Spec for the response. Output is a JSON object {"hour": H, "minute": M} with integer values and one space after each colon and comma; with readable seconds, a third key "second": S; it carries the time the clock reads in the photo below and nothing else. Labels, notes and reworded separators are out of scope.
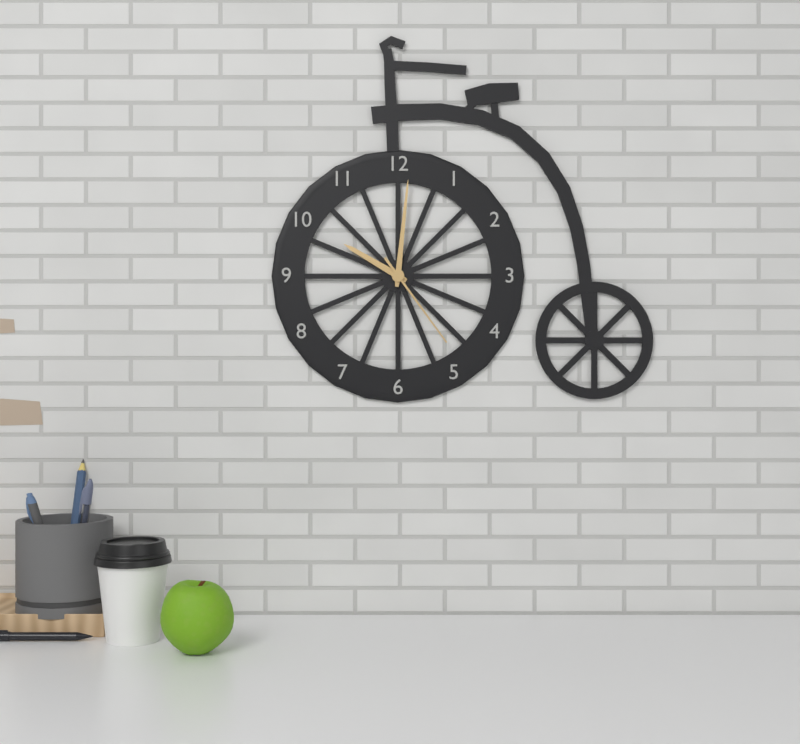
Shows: {"hour": 10, "minute": 1, "second": 24}
